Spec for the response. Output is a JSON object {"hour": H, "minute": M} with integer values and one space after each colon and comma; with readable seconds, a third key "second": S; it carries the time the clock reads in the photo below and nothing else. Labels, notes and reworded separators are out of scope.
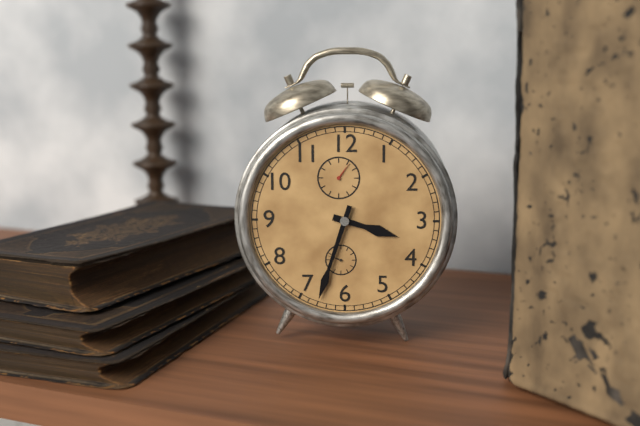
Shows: {"hour": 3, "minute": 33}
